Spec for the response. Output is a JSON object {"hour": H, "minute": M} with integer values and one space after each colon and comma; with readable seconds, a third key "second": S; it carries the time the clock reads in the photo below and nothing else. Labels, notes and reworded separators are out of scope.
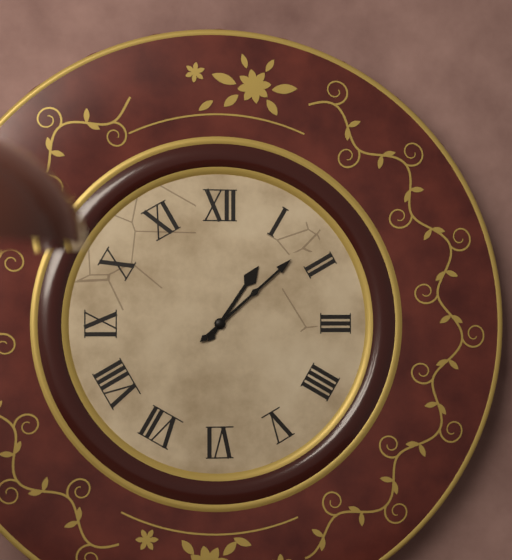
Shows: {"hour": 1, "minute": 8}
